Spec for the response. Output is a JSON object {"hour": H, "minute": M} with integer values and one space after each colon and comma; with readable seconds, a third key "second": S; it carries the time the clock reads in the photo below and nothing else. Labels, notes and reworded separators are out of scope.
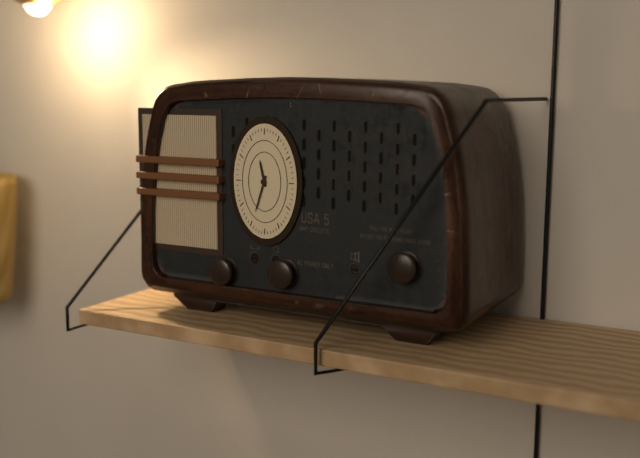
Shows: {"hour": 11, "minute": 33}
